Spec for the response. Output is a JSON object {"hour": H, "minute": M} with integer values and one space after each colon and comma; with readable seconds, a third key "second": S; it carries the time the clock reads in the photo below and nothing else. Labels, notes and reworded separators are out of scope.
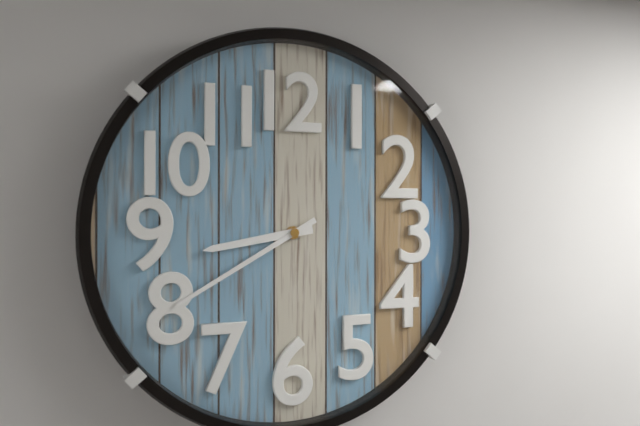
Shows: {"hour": 8, "minute": 40}
